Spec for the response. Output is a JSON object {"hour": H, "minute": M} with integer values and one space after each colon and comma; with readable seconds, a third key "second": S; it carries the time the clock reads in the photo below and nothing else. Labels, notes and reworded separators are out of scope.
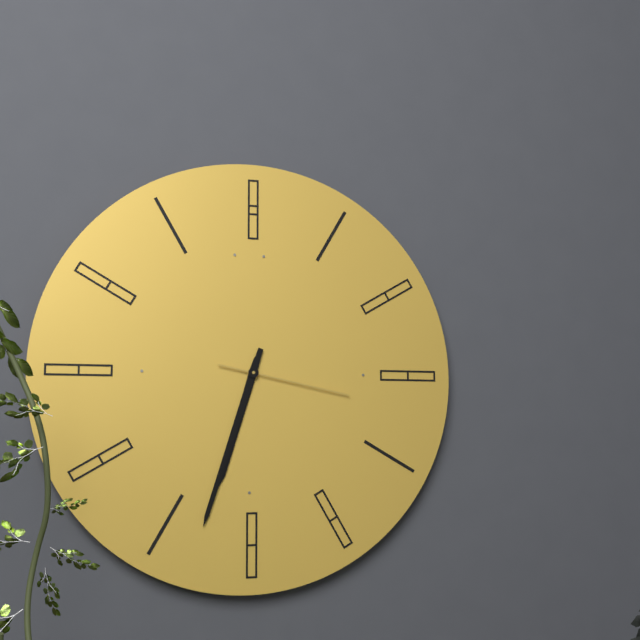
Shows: {"hour": 6, "minute": 33, "second": 17}
